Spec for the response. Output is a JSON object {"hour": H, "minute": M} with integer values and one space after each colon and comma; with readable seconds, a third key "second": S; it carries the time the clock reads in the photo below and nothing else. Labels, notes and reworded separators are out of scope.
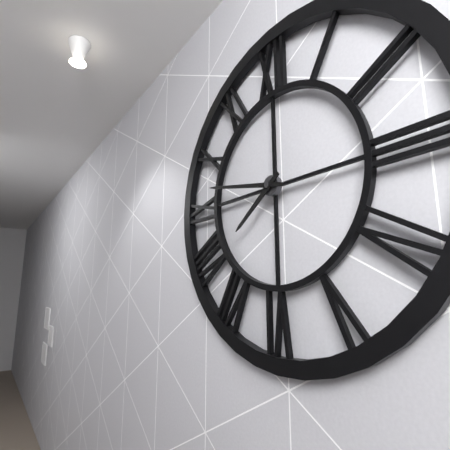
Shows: {"hour": 7, "minute": 47}
